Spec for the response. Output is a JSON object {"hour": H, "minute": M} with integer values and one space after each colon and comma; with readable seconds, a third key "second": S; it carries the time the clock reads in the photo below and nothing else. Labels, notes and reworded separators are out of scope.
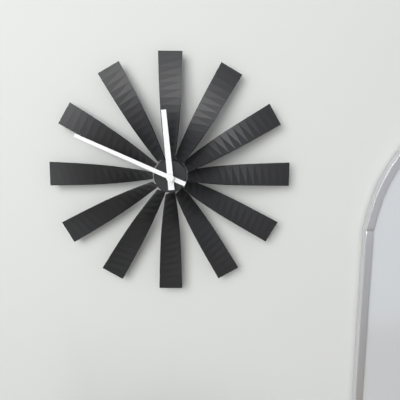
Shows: {"hour": 11, "minute": 49}
